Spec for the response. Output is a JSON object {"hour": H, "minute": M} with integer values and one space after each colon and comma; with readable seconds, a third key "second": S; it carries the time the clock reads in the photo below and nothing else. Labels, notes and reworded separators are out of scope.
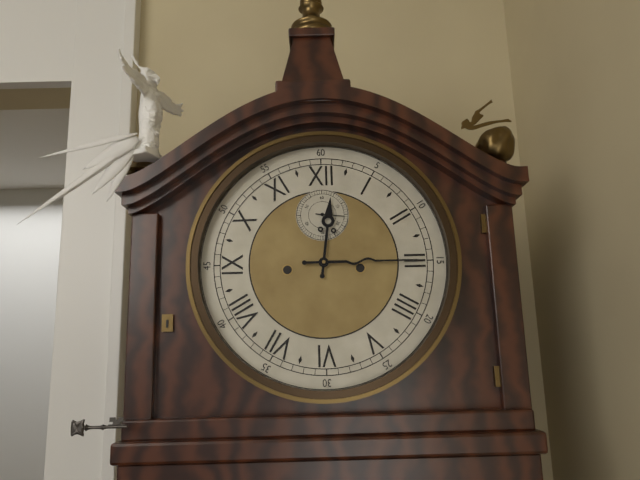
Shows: {"hour": 12, "minute": 15}
